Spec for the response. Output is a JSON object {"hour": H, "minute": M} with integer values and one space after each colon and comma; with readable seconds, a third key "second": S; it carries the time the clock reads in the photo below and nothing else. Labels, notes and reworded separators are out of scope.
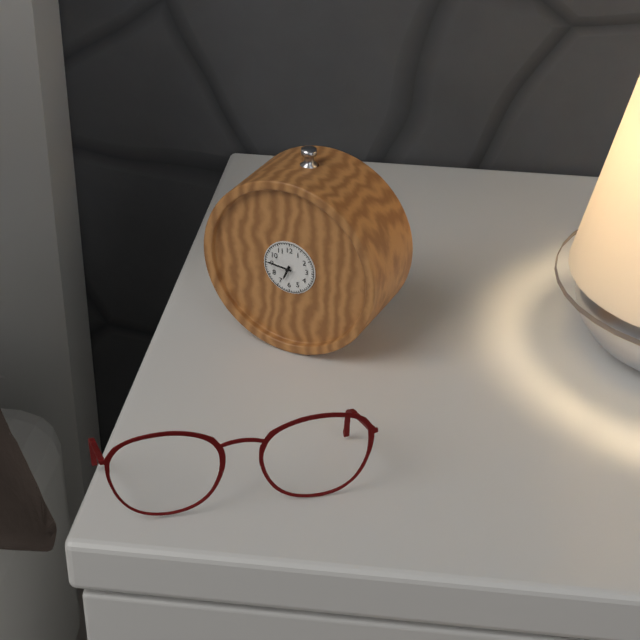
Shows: {"hour": 6, "minute": 46}
